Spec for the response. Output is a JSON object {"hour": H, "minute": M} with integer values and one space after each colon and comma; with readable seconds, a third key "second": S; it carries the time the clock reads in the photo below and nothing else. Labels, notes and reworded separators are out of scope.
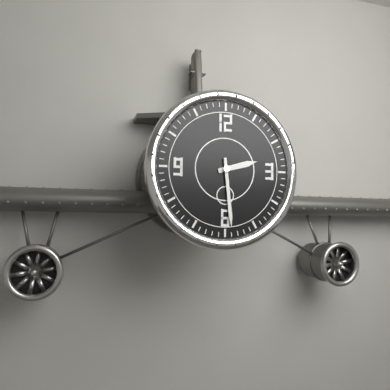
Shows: {"hour": 2, "minute": 29}
